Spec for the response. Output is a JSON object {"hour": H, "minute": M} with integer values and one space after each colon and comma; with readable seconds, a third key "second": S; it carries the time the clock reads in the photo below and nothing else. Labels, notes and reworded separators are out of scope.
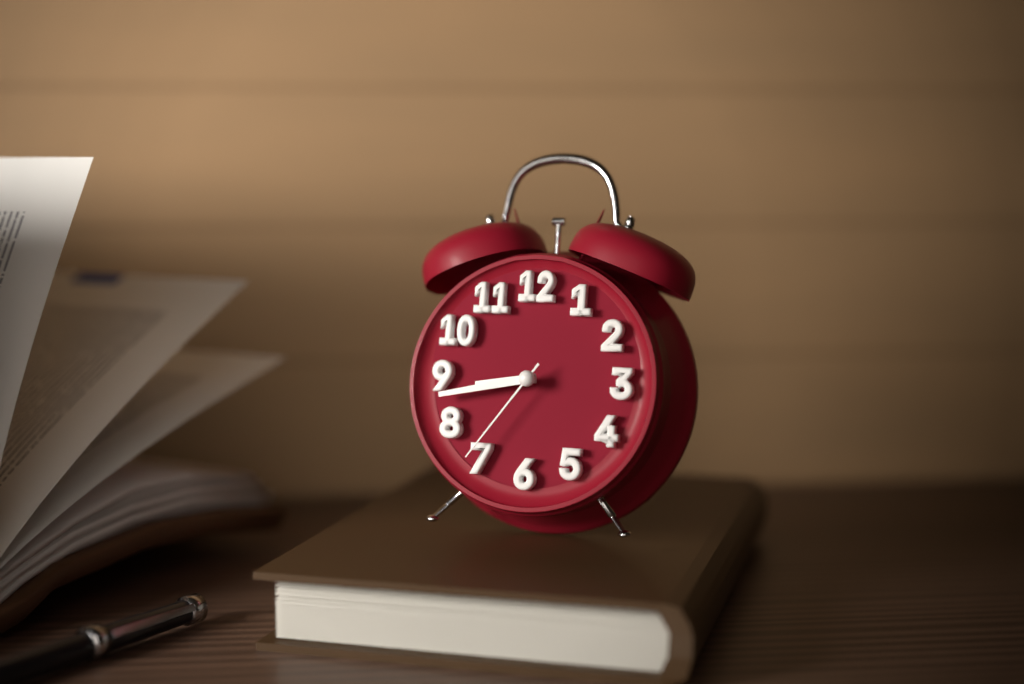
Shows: {"hour": 8, "minute": 43, "second": 36}
